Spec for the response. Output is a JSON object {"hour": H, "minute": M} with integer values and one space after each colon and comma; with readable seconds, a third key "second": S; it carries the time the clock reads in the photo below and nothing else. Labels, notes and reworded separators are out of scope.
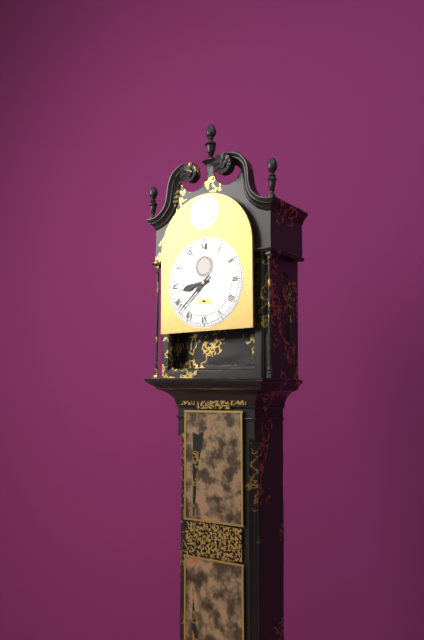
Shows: {"hour": 8, "minute": 38}
